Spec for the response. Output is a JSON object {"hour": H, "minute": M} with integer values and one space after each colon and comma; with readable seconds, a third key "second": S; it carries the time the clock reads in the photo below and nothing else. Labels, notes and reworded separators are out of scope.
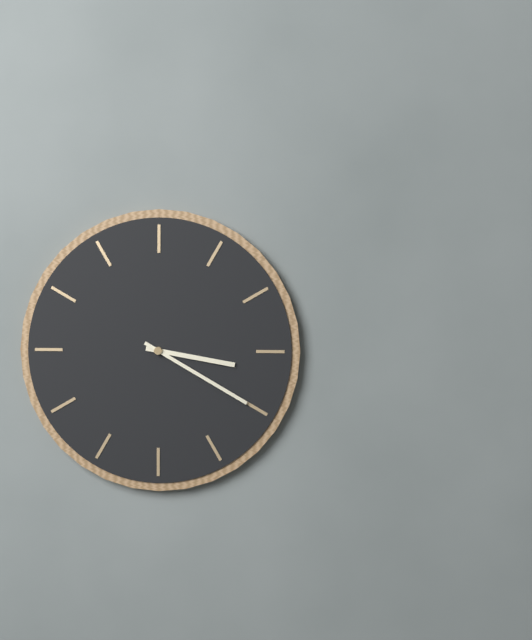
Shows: {"hour": 3, "minute": 20}
